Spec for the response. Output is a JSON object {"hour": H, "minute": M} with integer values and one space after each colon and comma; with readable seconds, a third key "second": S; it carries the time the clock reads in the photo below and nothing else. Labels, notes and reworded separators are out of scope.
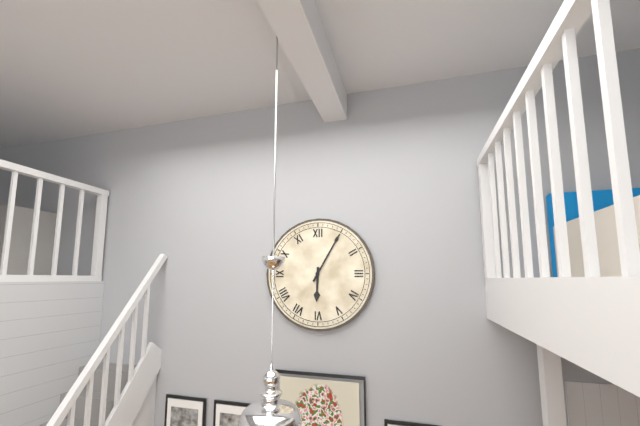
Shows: {"hour": 6, "minute": 5}
